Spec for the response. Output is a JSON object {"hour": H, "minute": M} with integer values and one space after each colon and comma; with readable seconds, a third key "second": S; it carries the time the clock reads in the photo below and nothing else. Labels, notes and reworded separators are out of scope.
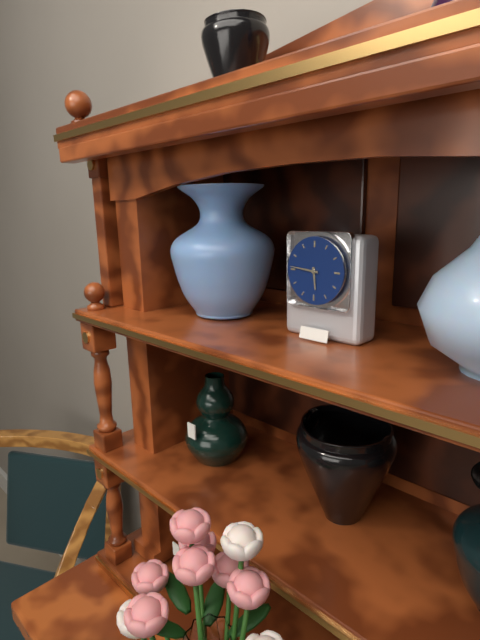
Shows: {"hour": 5, "minute": 46}
